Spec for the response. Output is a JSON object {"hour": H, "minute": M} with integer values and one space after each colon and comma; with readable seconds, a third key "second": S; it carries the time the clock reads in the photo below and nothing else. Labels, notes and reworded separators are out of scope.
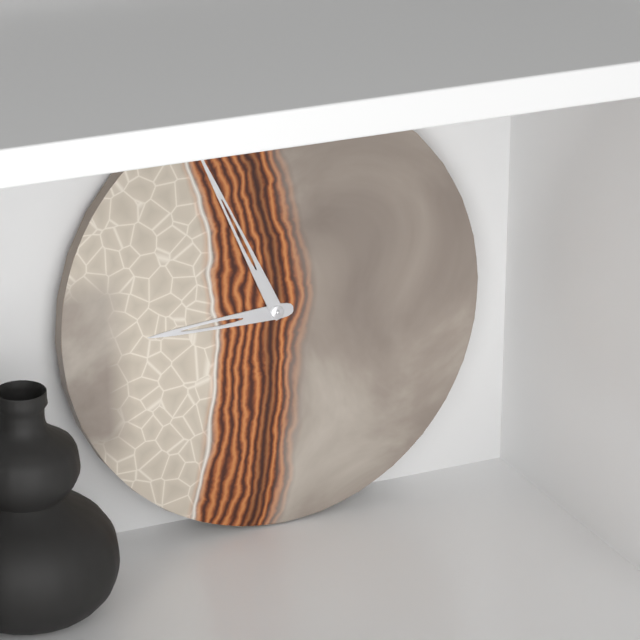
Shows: {"hour": 8, "minute": 56}
